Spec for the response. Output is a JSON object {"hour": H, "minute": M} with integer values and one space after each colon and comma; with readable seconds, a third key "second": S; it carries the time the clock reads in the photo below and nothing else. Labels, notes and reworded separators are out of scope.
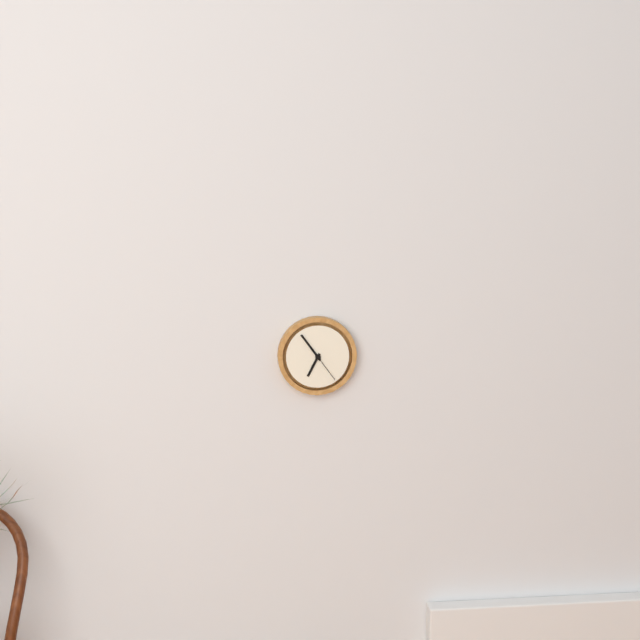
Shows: {"hour": 6, "minute": 54}
